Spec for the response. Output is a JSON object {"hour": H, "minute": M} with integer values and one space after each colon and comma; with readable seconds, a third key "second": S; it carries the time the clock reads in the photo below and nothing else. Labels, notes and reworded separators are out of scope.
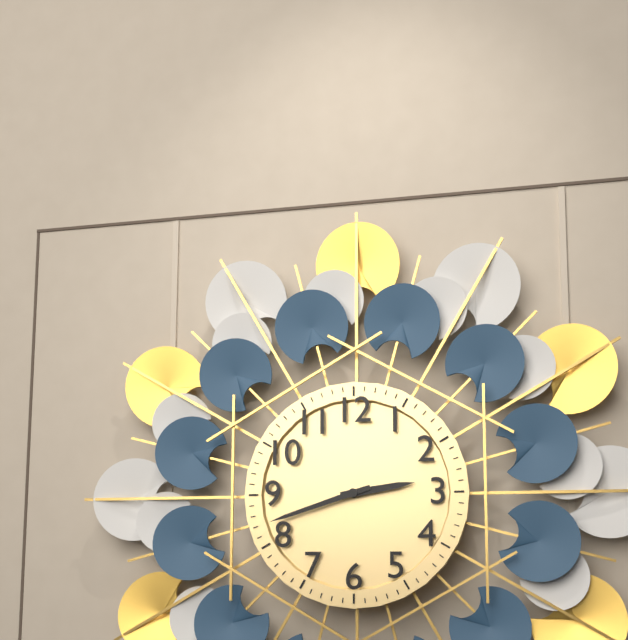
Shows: {"hour": 2, "minute": 42}
